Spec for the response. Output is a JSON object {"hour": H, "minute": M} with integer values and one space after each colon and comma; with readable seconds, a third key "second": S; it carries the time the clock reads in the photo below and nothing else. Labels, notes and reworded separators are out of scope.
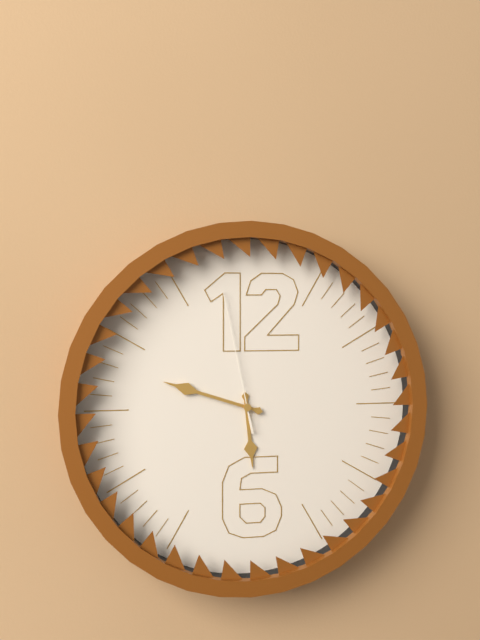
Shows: {"hour": 5, "minute": 48, "second": 58}
